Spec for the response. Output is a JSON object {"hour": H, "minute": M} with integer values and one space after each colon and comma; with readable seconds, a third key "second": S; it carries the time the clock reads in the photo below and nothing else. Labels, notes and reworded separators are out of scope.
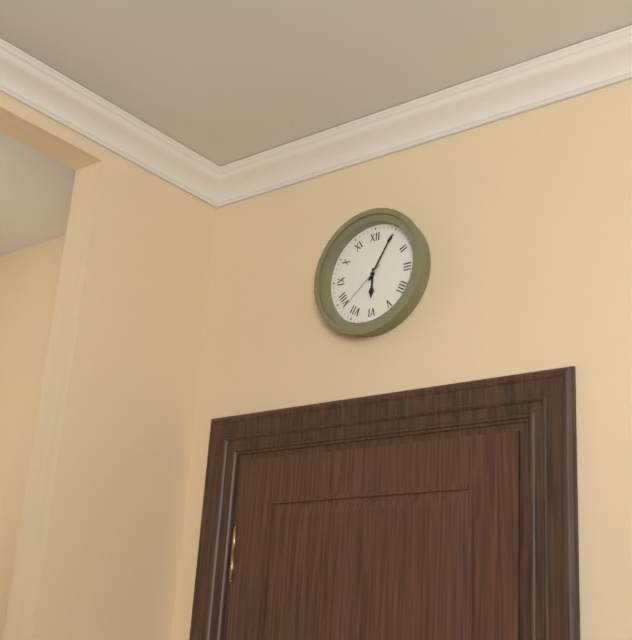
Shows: {"hour": 6, "minute": 5, "second": 38}
